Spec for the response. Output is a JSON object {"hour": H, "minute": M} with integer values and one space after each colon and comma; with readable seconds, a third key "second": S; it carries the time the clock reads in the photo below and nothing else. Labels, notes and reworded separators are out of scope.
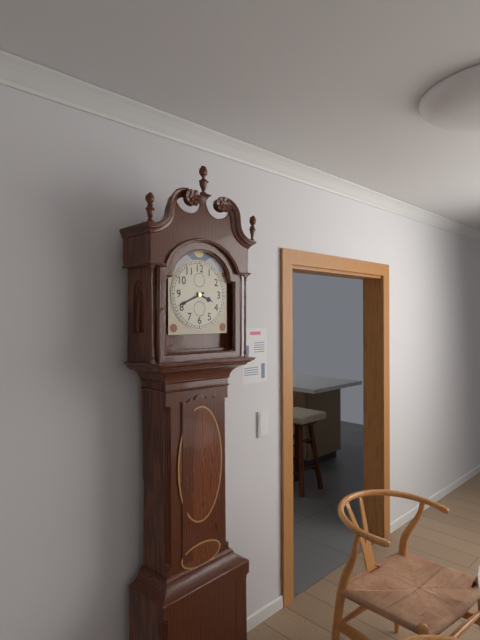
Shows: {"hour": 3, "minute": 41}
